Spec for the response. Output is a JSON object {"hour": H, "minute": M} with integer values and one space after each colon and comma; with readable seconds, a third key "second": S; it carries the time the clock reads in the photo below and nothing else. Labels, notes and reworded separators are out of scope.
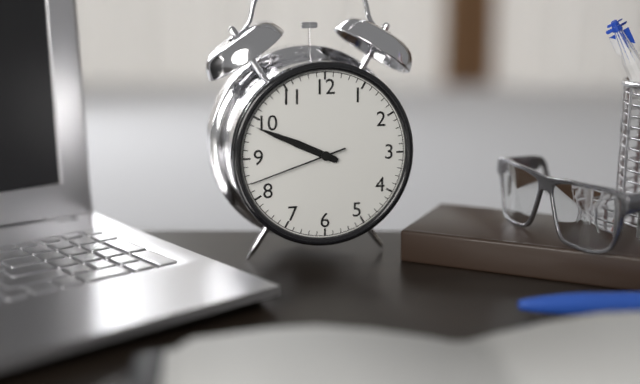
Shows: {"hour": 9, "minute": 49, "second": 42}
